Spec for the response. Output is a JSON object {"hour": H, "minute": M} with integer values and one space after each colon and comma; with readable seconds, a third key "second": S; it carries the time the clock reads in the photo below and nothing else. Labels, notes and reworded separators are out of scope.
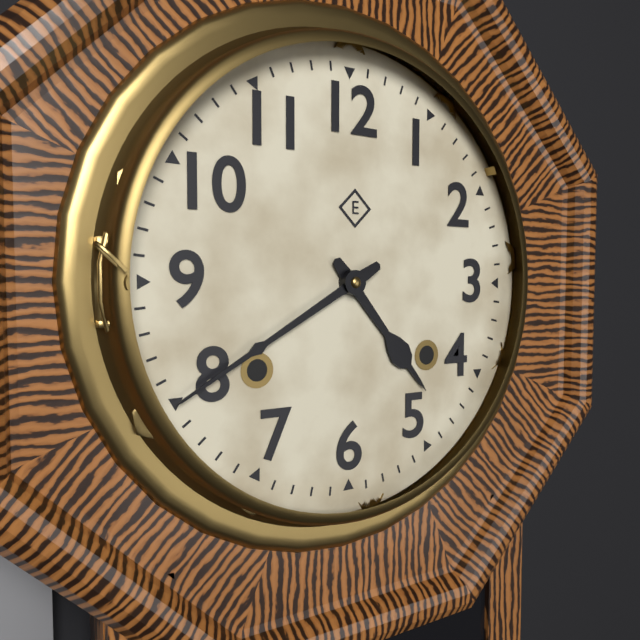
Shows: {"hour": 4, "minute": 40}
